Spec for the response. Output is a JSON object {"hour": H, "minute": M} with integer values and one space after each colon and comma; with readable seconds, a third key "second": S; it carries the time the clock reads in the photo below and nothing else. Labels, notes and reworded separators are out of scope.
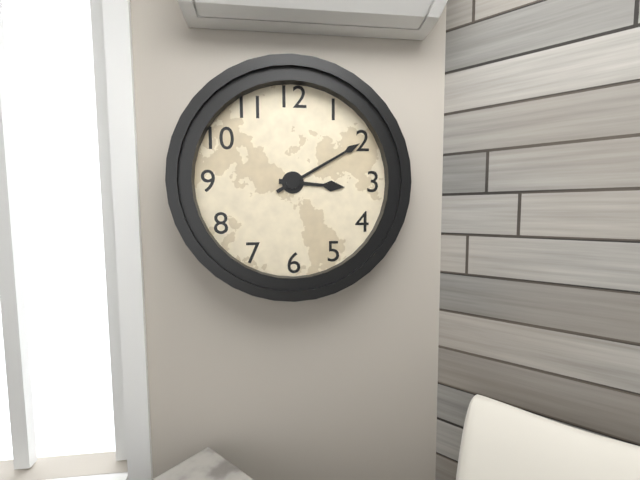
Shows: {"hour": 3, "minute": 10}
